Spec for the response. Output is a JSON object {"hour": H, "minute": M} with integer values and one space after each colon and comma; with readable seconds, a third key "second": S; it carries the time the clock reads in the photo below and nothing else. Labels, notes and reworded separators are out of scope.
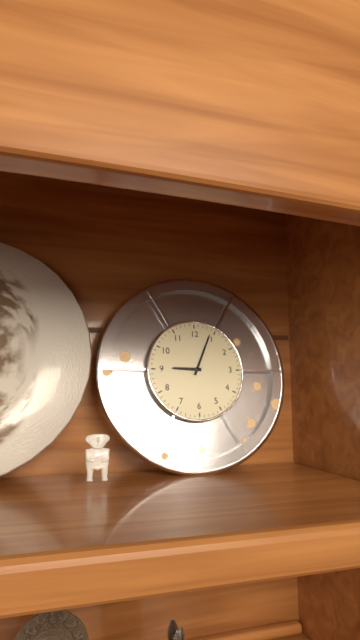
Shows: {"hour": 9, "minute": 4}
